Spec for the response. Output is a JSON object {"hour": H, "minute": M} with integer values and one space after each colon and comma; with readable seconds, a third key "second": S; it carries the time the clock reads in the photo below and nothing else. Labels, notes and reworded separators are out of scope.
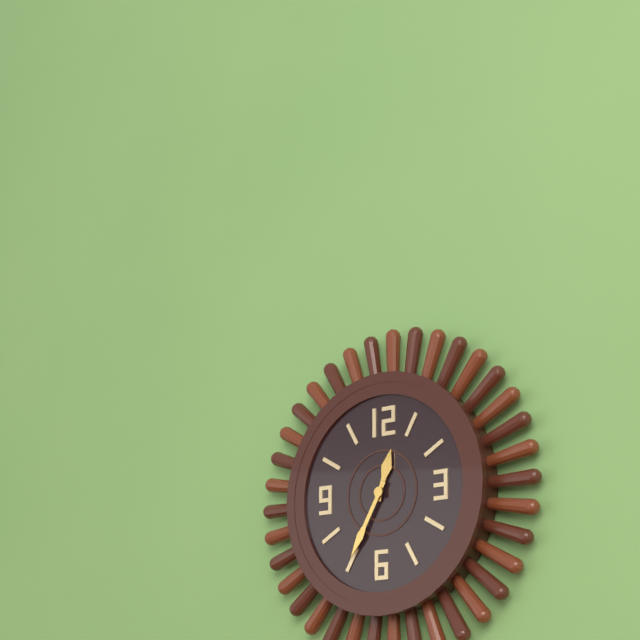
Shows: {"hour": 12, "minute": 35}
